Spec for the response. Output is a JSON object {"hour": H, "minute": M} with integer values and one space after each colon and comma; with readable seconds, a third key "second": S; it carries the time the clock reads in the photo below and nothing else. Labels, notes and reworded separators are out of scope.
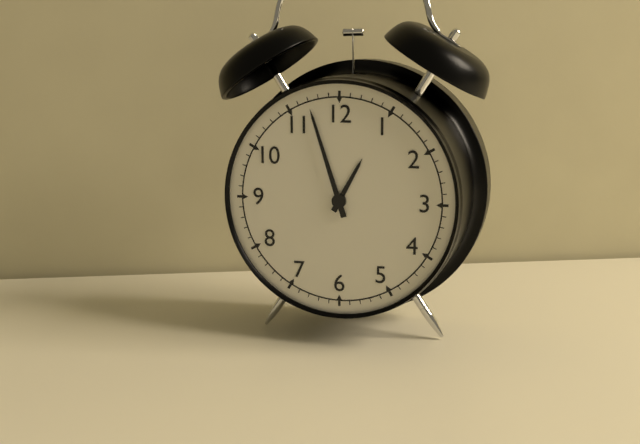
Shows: {"hour": 12, "minute": 57}
